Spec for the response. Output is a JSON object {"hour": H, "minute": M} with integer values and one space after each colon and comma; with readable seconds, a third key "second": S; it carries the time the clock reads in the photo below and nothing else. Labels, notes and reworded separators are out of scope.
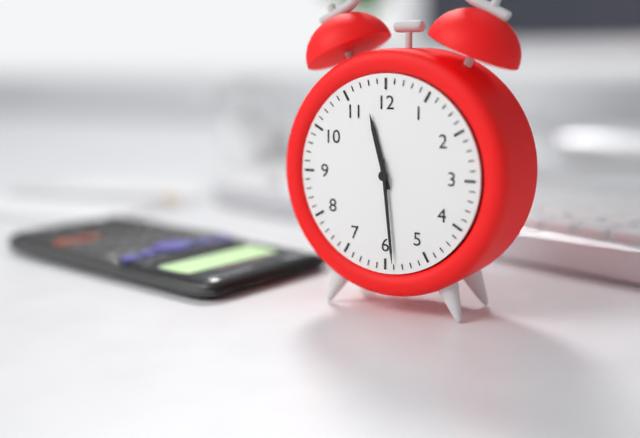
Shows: {"hour": 11, "minute": 29}
